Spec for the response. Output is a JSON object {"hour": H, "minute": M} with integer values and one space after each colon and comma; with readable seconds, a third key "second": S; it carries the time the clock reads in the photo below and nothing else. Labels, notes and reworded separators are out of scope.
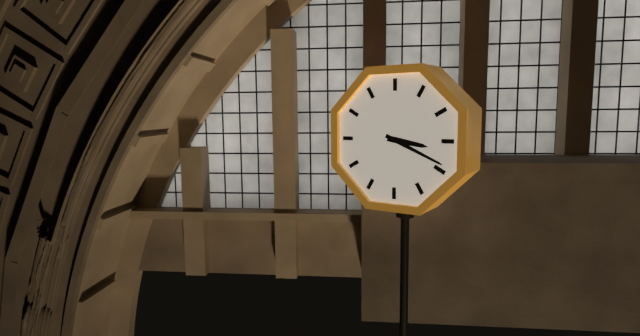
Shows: {"hour": 3, "minute": 19}
